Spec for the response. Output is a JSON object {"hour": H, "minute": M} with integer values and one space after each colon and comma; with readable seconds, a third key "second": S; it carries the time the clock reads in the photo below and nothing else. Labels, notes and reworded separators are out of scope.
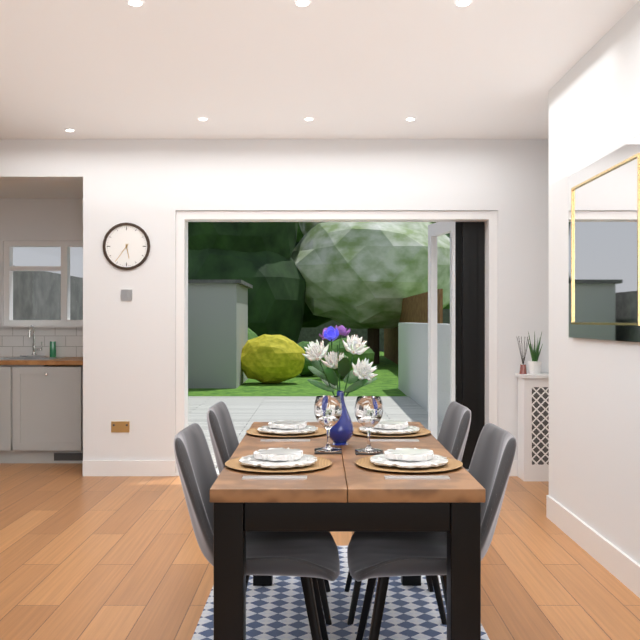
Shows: {"hour": 5, "minute": 36}
